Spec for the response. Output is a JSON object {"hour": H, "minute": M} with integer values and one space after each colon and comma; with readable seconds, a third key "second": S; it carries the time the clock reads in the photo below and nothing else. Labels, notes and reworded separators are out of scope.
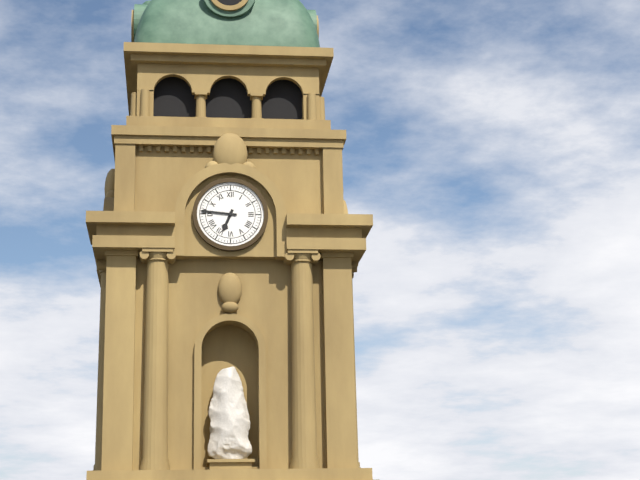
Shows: {"hour": 6, "minute": 46}
